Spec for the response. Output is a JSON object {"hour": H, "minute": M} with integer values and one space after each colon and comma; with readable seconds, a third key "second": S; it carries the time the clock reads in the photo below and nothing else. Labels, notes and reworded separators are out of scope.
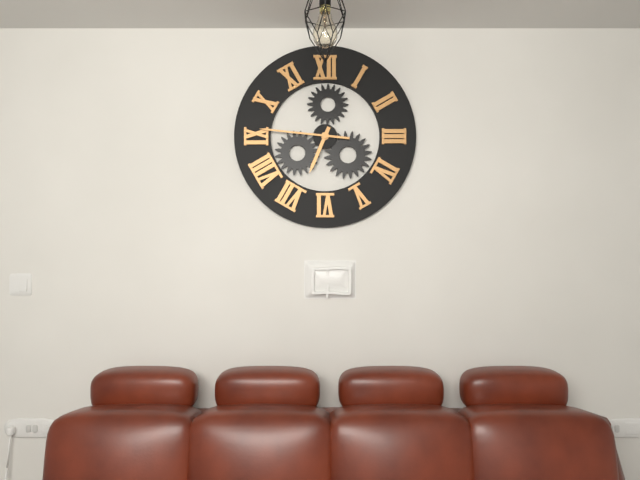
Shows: {"hour": 6, "minute": 46}
